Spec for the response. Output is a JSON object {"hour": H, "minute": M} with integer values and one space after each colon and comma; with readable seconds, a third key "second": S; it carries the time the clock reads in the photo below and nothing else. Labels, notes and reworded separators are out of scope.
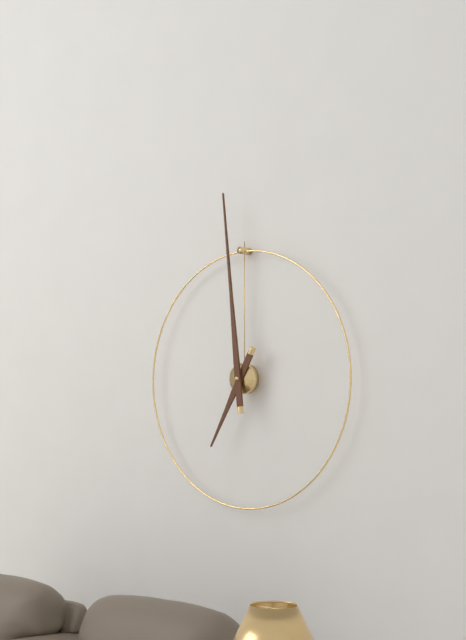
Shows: {"hour": 6, "minute": 59}
